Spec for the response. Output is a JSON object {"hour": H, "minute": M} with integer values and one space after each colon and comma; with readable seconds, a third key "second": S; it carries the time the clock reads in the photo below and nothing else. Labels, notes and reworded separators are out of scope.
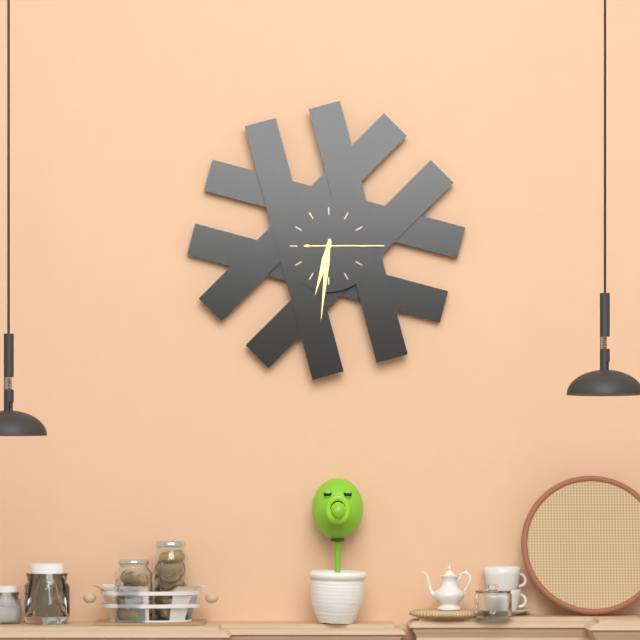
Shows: {"hour": 6, "minute": 31, "second": 15}
